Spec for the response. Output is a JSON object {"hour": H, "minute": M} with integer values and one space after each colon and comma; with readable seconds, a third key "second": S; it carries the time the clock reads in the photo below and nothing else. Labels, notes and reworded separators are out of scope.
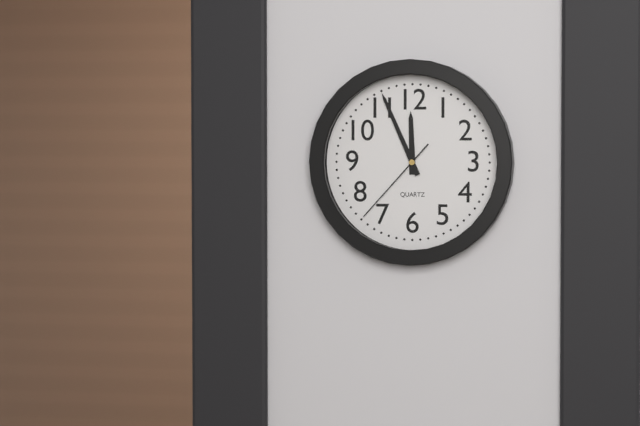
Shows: {"hour": 11, "minute": 56, "second": 37}
